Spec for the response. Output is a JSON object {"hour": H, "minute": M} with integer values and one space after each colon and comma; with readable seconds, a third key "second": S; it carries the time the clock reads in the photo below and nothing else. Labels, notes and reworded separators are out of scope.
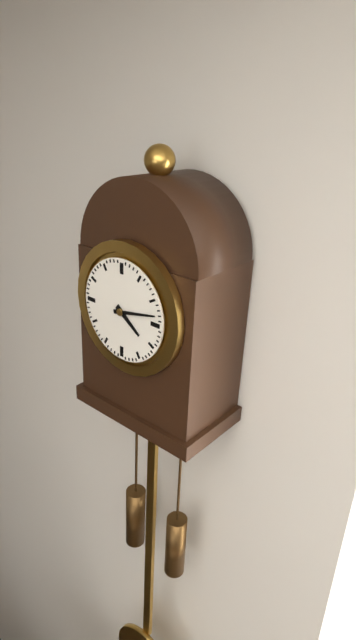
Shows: {"hour": 4, "minute": 13}
